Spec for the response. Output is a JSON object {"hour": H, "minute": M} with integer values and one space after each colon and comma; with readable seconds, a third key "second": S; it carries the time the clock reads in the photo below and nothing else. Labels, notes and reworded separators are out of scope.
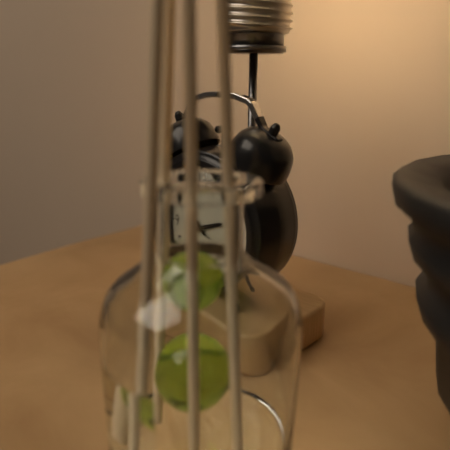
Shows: {"hour": 2, "minute": 23}
